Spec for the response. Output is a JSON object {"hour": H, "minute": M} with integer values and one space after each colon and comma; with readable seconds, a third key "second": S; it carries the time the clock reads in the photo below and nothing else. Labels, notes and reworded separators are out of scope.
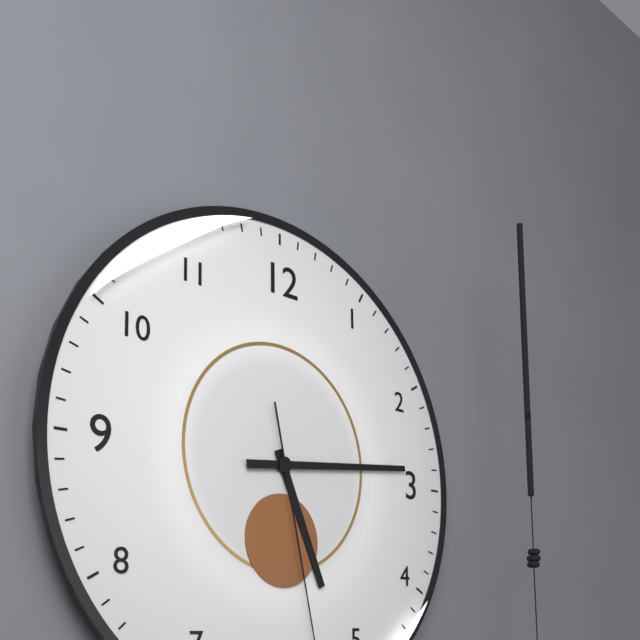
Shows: {"hour": 5, "minute": 14}
